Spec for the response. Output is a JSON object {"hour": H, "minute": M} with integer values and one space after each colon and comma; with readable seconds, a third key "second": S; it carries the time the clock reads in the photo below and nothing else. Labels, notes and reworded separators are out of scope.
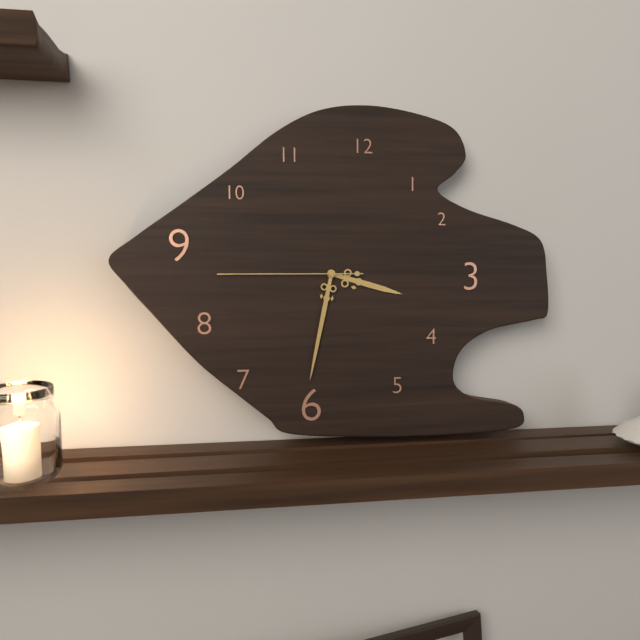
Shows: {"hour": 3, "minute": 32, "second": 45}
